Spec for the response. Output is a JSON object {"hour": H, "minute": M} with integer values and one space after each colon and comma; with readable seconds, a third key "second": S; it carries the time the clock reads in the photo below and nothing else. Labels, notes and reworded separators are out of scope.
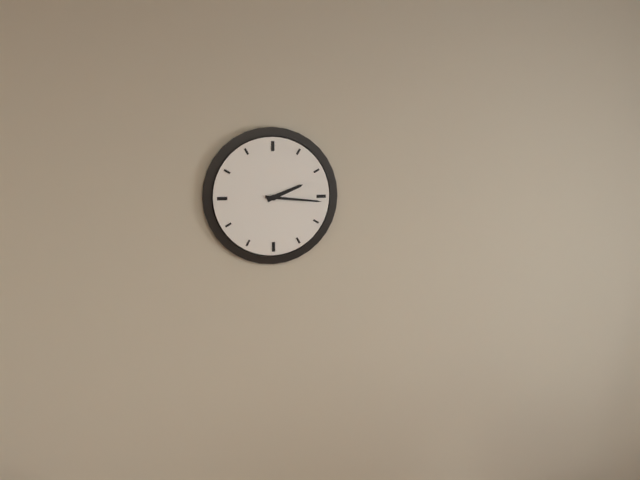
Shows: {"hour": 2, "minute": 16}
